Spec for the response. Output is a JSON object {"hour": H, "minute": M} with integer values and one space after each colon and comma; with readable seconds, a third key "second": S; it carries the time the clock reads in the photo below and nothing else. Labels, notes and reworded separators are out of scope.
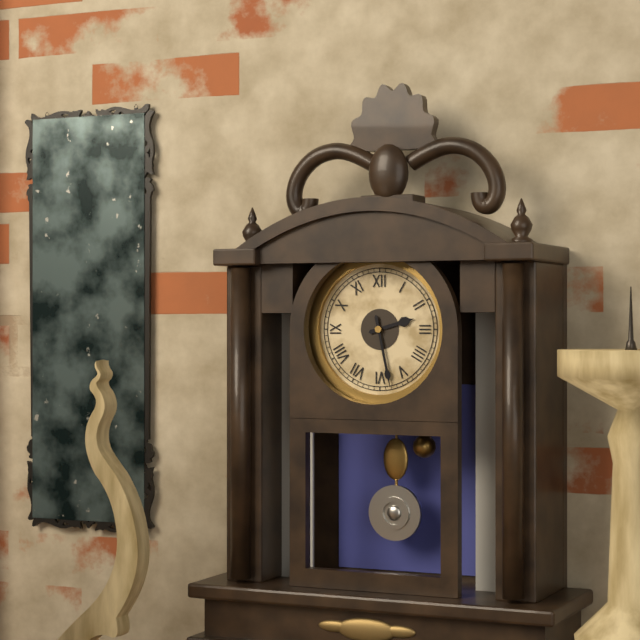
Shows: {"hour": 2, "minute": 28}
